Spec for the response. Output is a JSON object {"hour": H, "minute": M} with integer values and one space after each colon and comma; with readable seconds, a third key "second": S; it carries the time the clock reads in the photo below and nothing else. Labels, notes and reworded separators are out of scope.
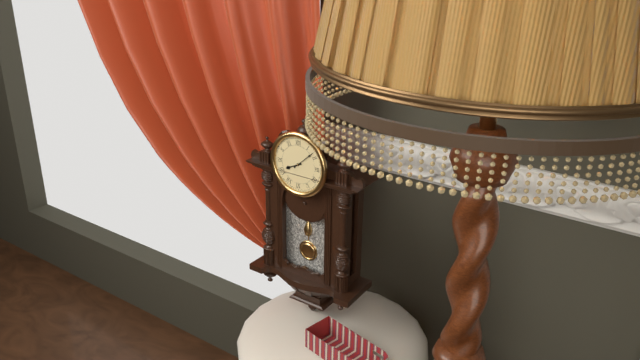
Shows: {"hour": 8, "minute": 8}
